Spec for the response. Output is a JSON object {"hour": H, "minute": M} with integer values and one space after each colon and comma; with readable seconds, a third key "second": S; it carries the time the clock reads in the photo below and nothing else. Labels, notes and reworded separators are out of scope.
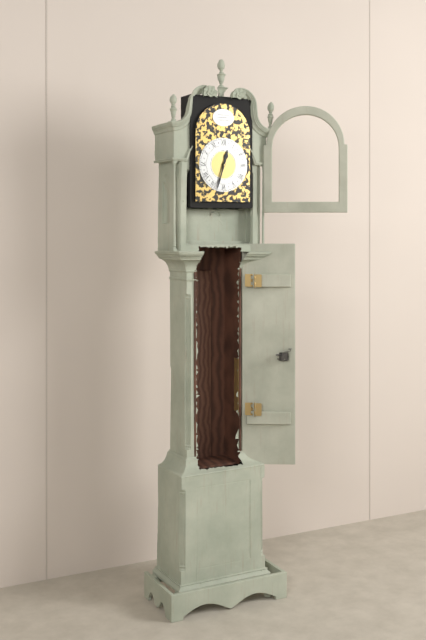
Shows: {"hour": 12, "minute": 33}
